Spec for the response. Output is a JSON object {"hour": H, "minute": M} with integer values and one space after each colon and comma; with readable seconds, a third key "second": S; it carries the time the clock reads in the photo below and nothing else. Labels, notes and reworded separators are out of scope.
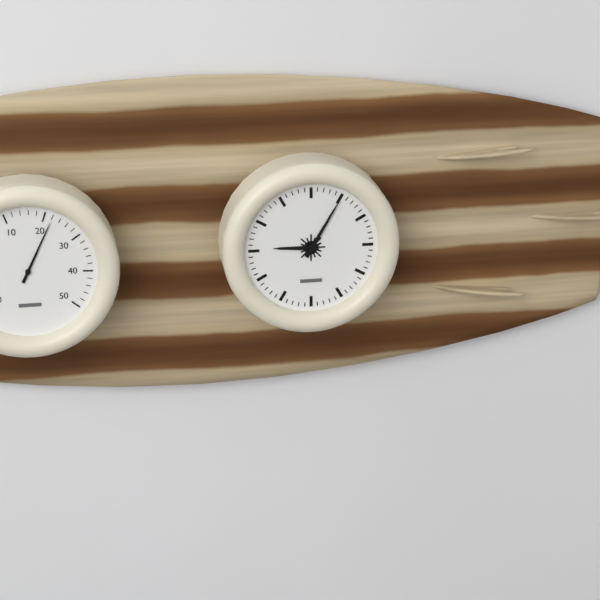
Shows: {"hour": 9, "minute": 5}
